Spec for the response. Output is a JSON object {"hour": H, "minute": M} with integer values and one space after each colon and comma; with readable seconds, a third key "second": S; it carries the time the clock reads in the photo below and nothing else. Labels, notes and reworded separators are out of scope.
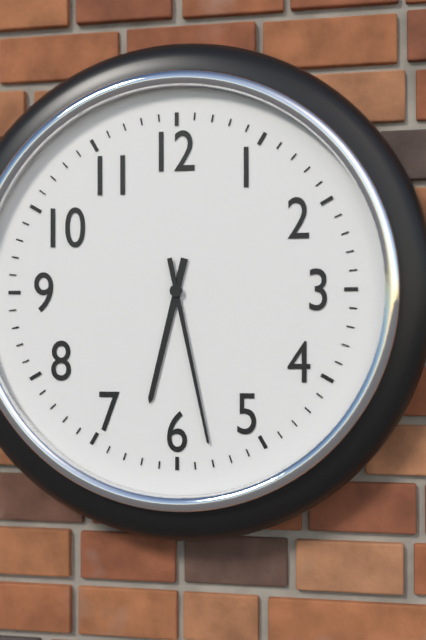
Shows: {"hour": 6, "minute": 28}
